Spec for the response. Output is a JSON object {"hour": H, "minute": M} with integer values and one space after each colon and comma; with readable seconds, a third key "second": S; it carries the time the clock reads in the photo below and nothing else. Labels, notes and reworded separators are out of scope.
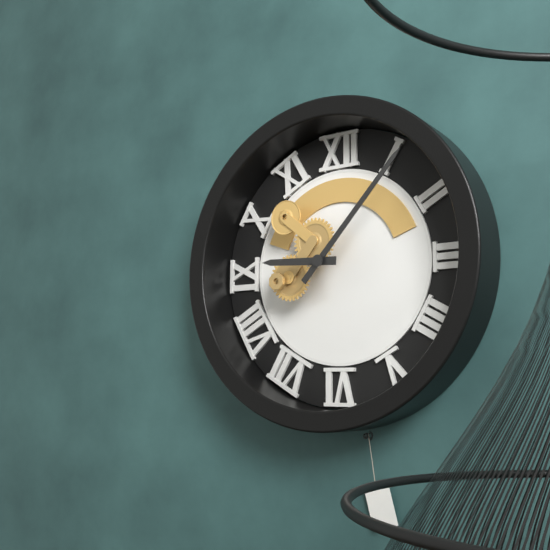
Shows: {"hour": 9, "minute": 7}
